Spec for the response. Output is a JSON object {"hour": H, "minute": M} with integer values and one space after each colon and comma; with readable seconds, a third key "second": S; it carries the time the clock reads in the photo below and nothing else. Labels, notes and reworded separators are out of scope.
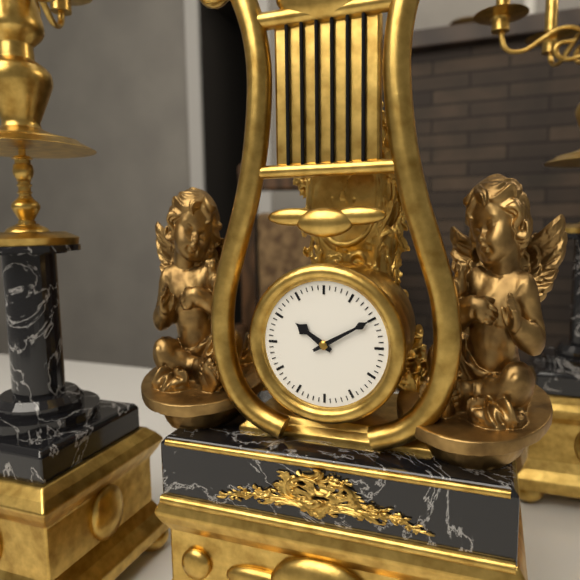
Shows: {"hour": 10, "minute": 10}
